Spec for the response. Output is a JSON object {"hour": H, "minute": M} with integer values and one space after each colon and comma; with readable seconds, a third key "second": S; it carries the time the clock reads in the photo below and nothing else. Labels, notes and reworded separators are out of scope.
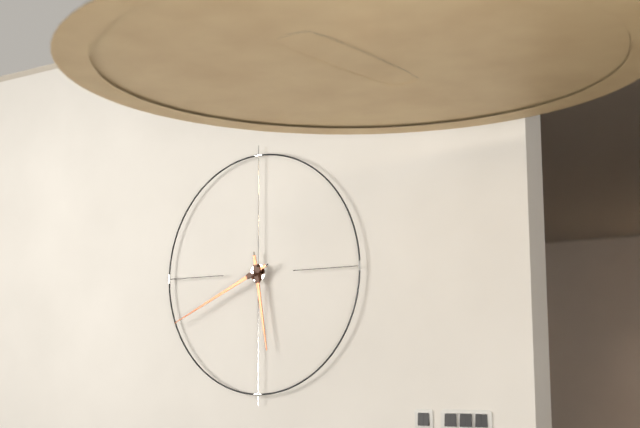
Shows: {"hour": 5, "minute": 41}
